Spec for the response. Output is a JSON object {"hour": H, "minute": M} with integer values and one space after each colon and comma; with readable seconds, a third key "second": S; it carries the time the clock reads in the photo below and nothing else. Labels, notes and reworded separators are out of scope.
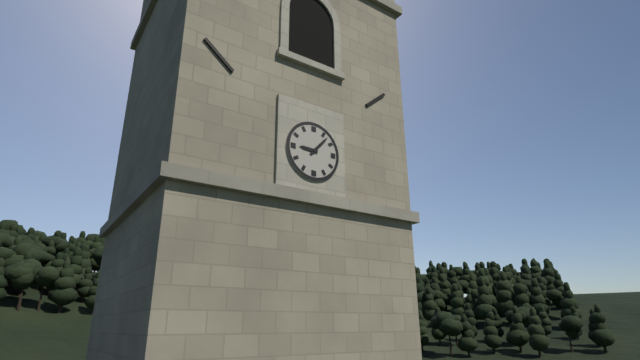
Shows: {"hour": 9, "minute": 7}
